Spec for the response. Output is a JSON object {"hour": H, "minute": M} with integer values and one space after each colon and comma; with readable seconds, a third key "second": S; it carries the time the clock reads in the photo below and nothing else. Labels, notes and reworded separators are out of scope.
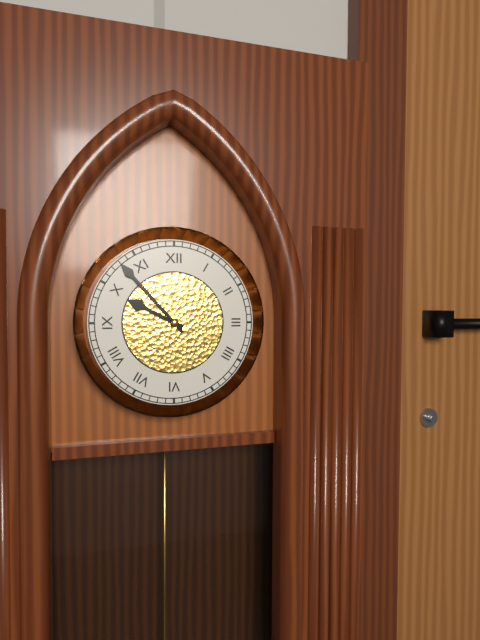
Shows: {"hour": 9, "minute": 53}
